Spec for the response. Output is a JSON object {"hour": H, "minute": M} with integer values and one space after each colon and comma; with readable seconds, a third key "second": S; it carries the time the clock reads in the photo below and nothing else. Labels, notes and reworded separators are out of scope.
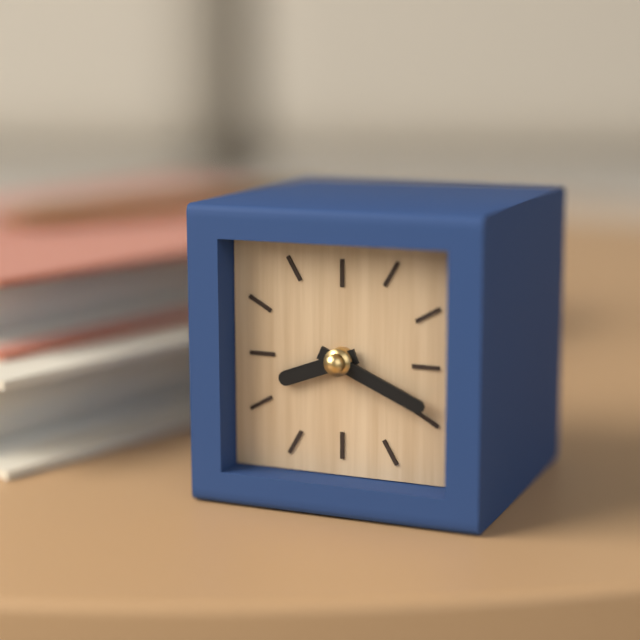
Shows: {"hour": 8, "minute": 19}
